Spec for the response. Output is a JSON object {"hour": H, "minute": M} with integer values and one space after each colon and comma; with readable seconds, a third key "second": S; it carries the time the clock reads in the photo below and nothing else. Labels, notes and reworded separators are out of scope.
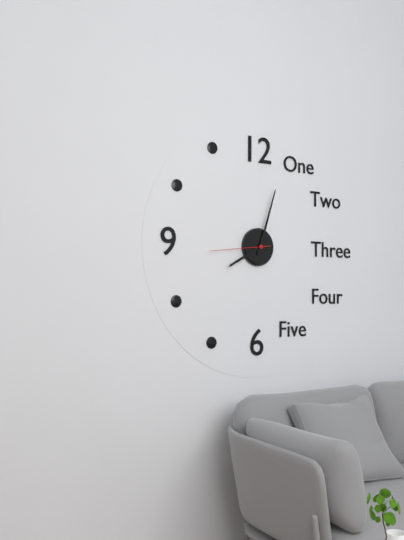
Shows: {"hour": 8, "minute": 3, "second": 44}
